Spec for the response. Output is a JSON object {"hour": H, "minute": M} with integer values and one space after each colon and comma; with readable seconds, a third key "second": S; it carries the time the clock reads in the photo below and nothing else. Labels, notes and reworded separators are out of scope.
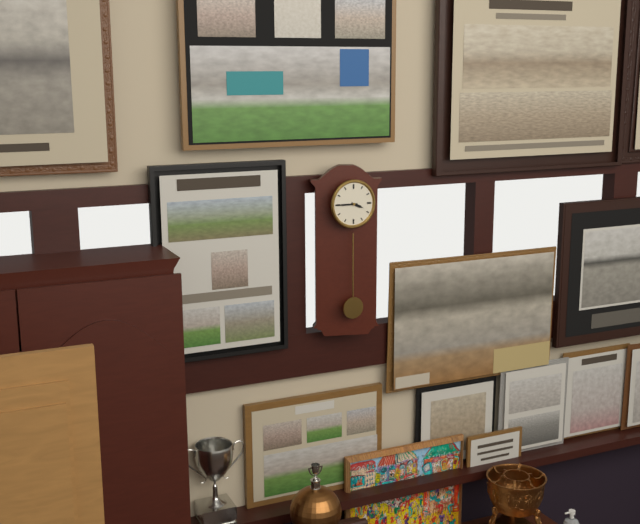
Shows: {"hour": 3, "minute": 45}
